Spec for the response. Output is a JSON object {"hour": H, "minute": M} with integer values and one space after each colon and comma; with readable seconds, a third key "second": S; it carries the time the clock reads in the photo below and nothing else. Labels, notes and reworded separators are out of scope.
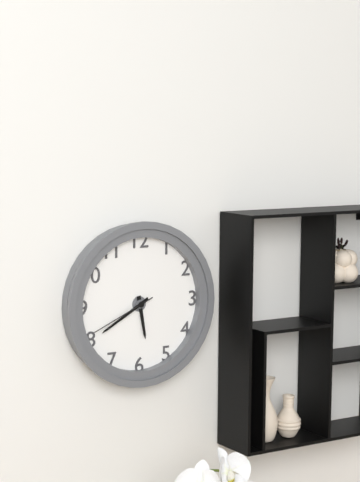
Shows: {"hour": 5, "minute": 40, "second": 41}
